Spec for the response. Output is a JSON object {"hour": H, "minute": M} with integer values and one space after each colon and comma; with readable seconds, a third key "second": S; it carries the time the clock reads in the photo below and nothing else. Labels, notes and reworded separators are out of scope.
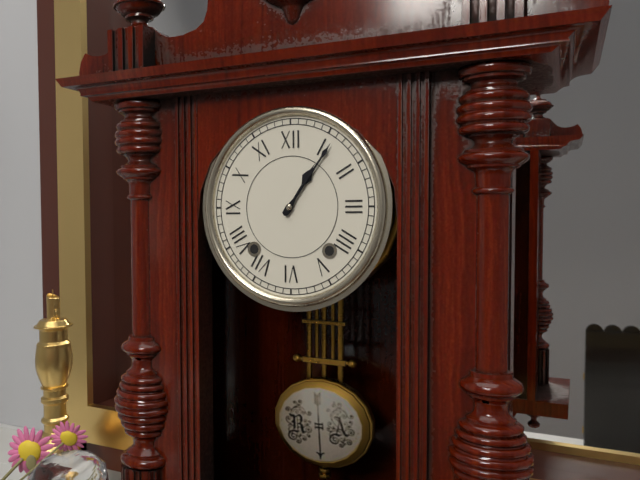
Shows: {"hour": 1, "minute": 6}
